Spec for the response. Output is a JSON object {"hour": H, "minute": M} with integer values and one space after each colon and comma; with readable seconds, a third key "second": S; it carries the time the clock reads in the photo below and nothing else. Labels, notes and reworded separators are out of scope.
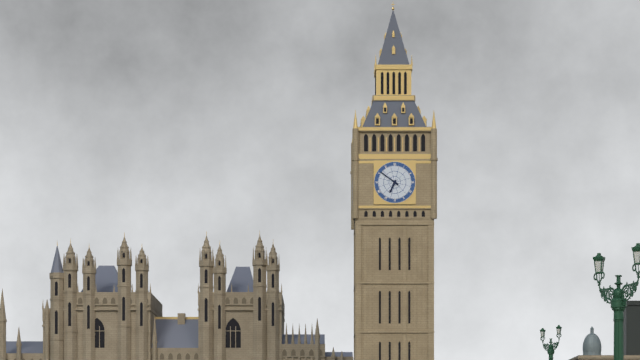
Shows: {"hour": 6, "minute": 51}
